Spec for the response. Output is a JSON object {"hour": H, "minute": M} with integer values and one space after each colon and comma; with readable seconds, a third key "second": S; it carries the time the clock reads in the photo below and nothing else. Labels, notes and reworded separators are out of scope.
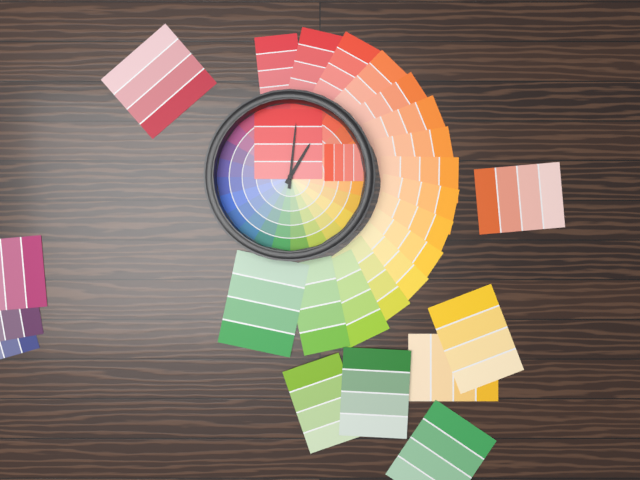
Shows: {"hour": 1, "minute": 1}
